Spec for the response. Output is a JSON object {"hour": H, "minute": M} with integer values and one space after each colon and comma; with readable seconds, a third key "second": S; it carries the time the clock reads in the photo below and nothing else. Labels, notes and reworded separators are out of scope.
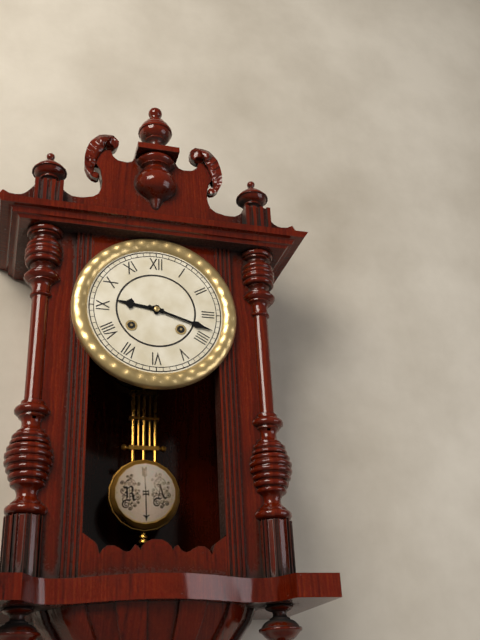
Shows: {"hour": 9, "minute": 18}
